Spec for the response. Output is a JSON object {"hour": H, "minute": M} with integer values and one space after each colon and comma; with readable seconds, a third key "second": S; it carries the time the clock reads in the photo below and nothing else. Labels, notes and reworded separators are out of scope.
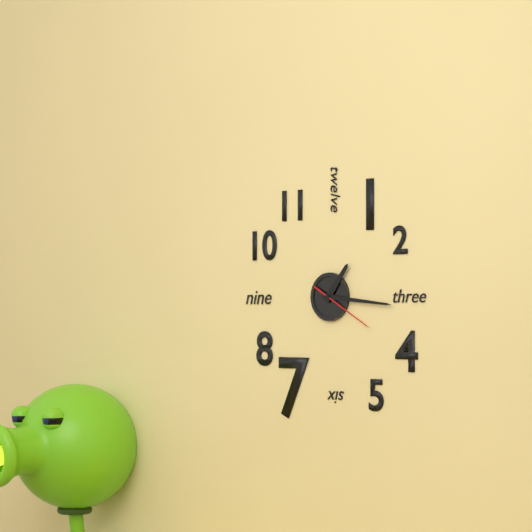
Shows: {"hour": 1, "minute": 16, "second": 20}
